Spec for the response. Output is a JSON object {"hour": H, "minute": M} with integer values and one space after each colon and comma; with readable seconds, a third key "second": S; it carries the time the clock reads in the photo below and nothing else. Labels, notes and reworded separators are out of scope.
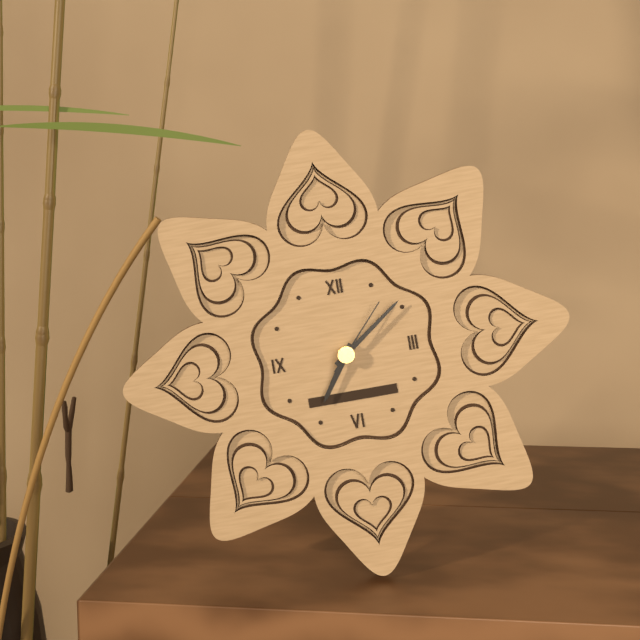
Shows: {"hour": 7, "minute": 9, "second": 7}
